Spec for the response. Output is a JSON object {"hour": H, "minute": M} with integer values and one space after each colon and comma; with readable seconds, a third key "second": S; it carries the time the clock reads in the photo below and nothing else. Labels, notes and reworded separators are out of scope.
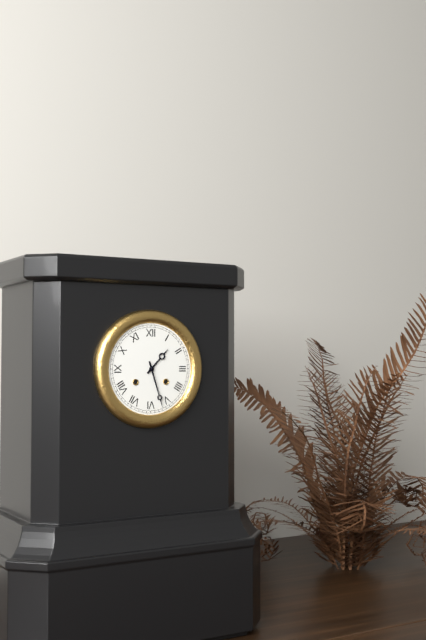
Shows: {"hour": 1, "minute": 27}
